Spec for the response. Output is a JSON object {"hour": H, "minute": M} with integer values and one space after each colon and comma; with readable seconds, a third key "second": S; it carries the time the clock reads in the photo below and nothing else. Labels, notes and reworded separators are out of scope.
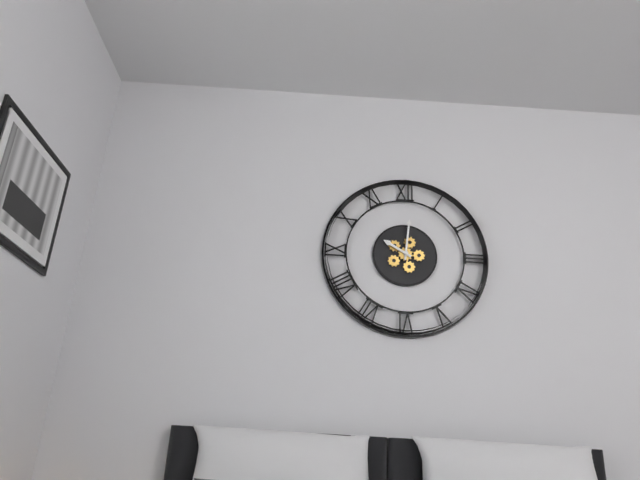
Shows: {"hour": 10, "minute": 1}
